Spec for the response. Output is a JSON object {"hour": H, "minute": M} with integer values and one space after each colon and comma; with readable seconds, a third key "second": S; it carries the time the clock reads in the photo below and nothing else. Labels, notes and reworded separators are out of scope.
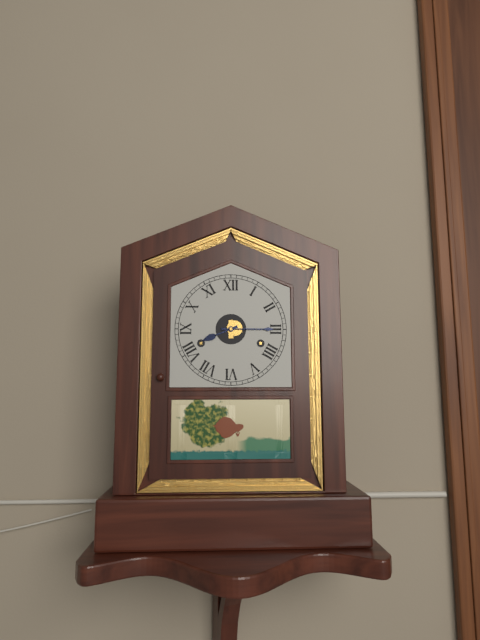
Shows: {"hour": 8, "minute": 15}
